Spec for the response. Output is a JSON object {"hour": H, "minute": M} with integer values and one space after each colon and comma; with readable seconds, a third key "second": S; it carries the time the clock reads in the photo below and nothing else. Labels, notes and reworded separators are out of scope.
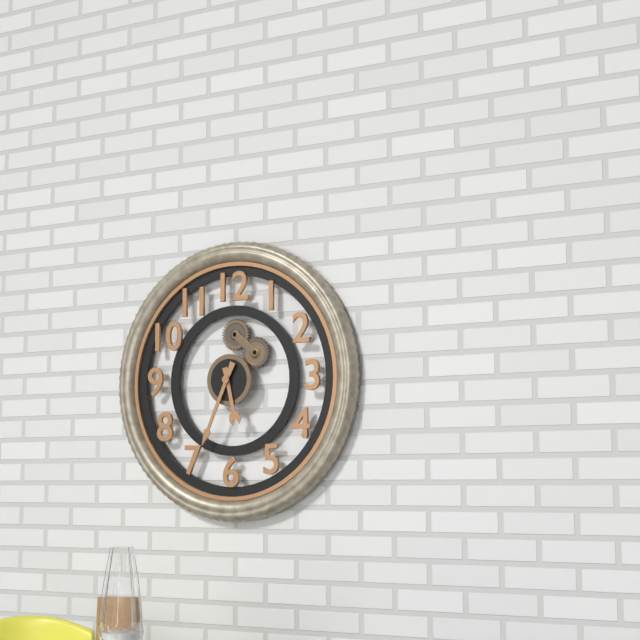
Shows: {"hour": 5, "minute": 34}
